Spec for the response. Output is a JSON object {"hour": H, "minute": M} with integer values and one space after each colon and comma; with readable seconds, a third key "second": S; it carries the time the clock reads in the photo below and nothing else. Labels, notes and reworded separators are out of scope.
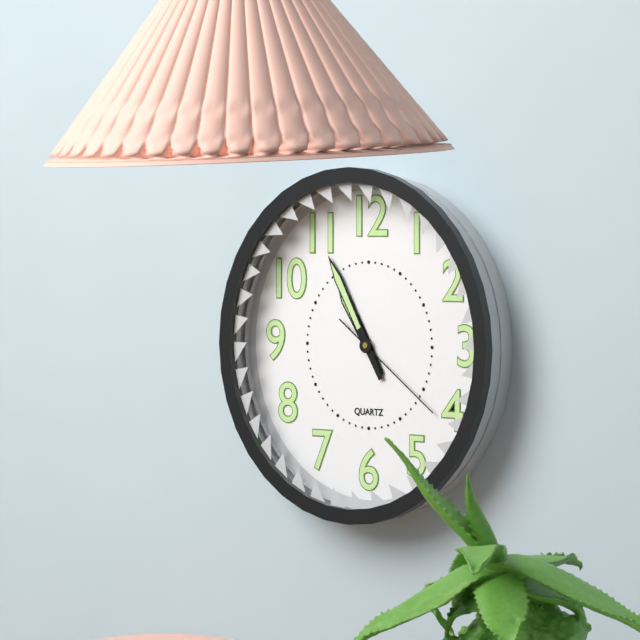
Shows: {"hour": 10, "minute": 55, "second": 21}
